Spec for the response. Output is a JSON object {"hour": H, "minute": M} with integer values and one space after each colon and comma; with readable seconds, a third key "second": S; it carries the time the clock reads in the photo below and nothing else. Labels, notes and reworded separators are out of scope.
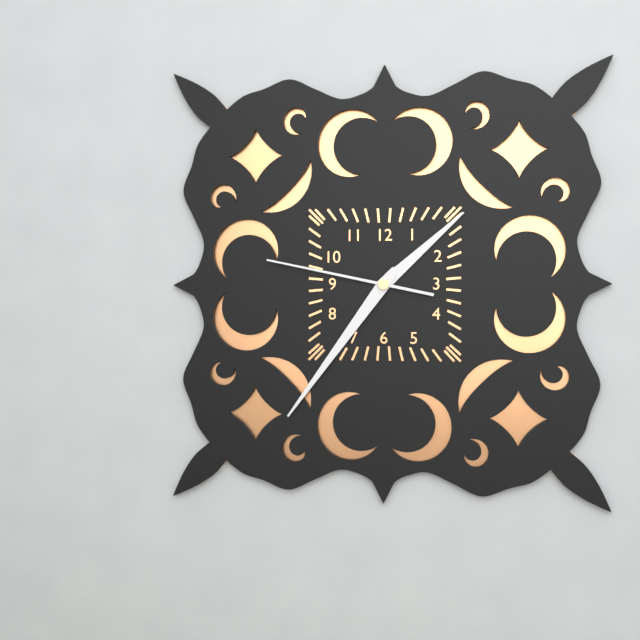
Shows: {"hour": 1, "minute": 36, "second": 47}
